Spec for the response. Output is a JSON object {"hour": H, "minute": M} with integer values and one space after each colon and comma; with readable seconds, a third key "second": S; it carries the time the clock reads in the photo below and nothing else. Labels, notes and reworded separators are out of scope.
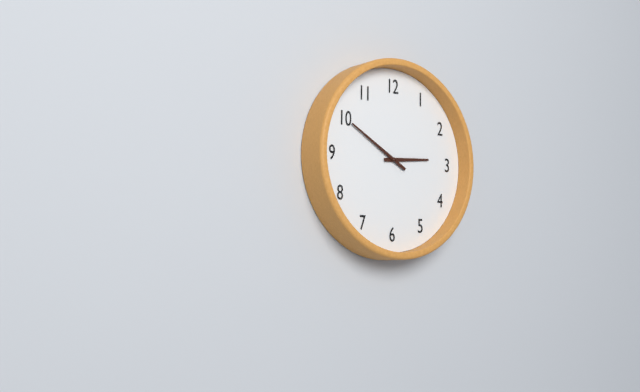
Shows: {"hour": 2, "minute": 50}
